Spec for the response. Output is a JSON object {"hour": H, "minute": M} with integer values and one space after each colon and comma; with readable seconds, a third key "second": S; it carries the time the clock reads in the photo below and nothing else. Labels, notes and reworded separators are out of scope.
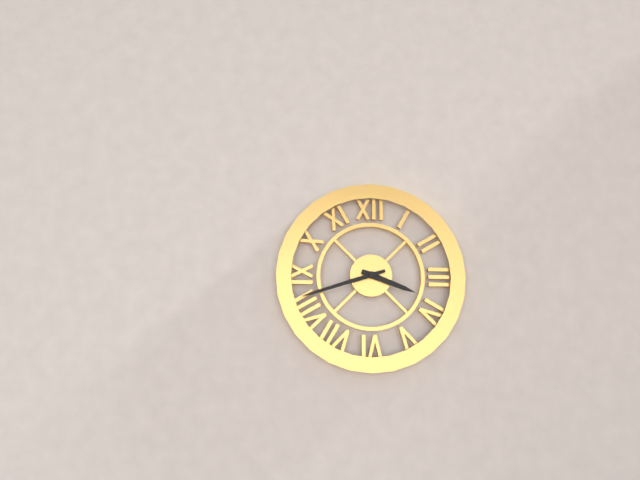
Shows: {"hour": 3, "minute": 42}
